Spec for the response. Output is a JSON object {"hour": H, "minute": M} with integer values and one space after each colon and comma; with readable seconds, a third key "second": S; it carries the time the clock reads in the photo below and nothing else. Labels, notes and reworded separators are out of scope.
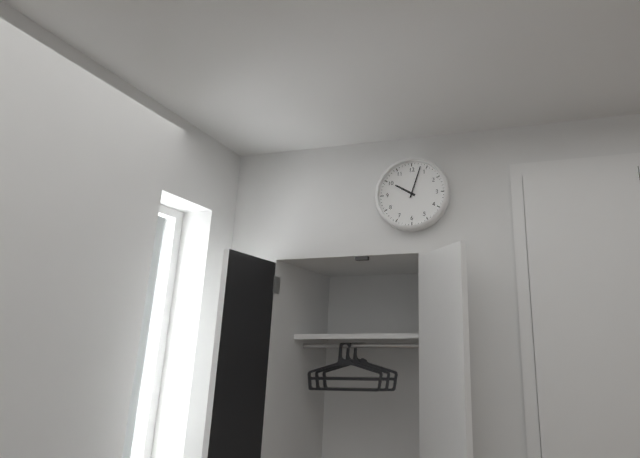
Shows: {"hour": 10, "minute": 3}
